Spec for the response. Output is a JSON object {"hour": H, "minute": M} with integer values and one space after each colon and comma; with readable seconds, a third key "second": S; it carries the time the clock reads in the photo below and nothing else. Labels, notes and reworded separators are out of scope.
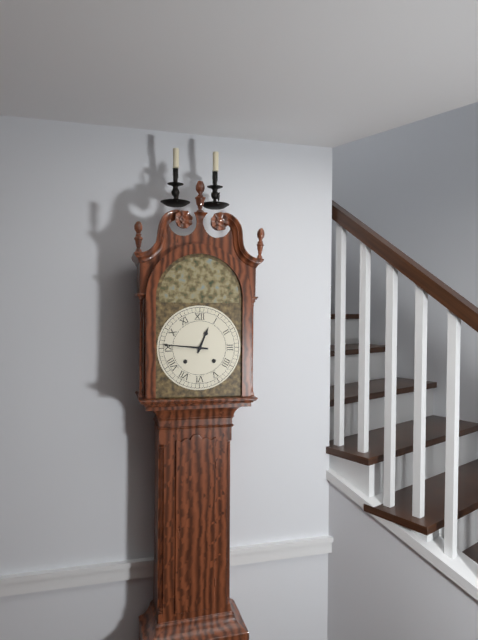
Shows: {"hour": 12, "minute": 46}
